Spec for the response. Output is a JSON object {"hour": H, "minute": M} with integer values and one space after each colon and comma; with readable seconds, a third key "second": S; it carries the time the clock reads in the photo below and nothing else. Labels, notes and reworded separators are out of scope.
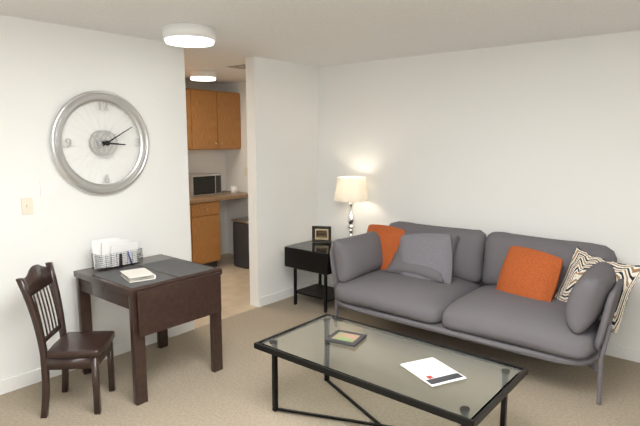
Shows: {"hour": 3, "minute": 10}
